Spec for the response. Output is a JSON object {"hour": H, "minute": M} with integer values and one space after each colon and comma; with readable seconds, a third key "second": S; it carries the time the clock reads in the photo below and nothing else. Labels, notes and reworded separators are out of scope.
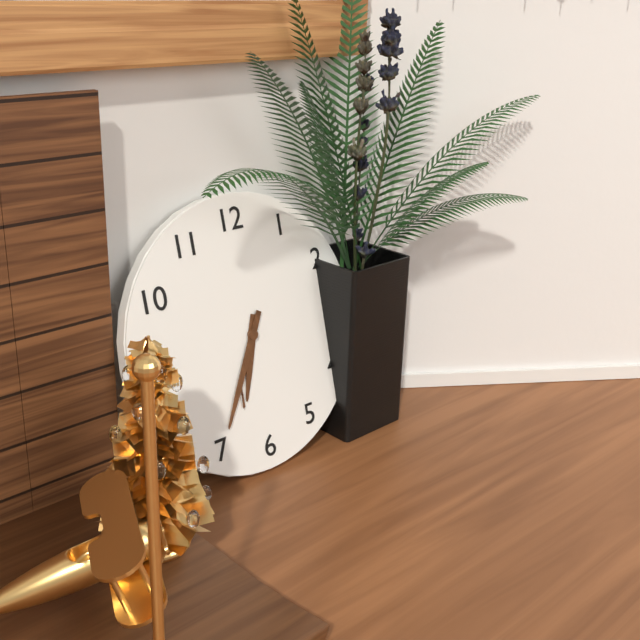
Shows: {"hour": 6, "minute": 35}
